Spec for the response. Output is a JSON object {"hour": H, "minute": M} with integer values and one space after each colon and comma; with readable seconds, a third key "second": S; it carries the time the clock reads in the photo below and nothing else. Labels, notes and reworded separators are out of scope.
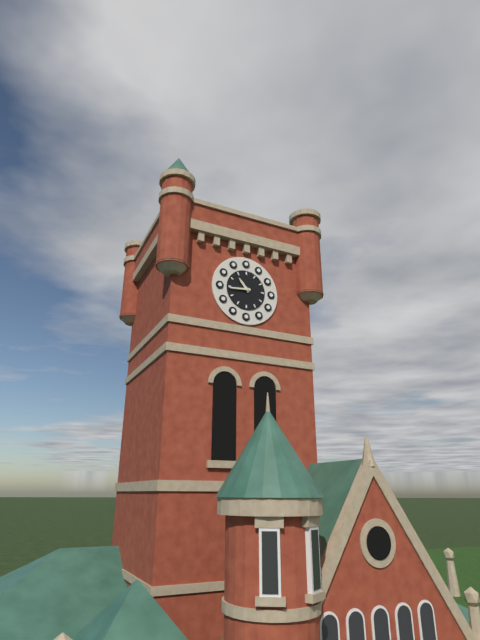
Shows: {"hour": 10, "minute": 44}
